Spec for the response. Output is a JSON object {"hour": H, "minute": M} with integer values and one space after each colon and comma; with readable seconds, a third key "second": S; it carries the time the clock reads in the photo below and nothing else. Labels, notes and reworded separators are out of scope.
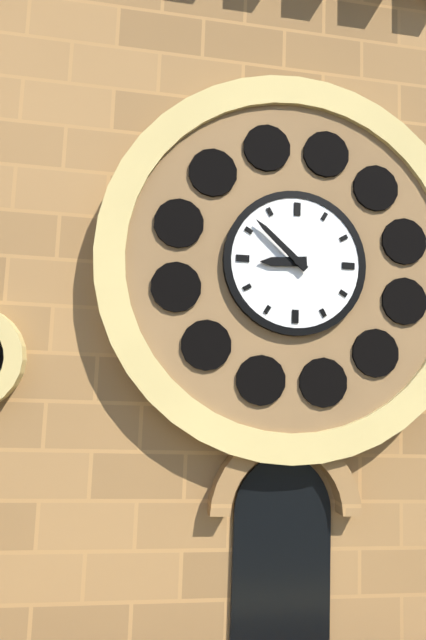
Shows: {"hour": 8, "minute": 52}
